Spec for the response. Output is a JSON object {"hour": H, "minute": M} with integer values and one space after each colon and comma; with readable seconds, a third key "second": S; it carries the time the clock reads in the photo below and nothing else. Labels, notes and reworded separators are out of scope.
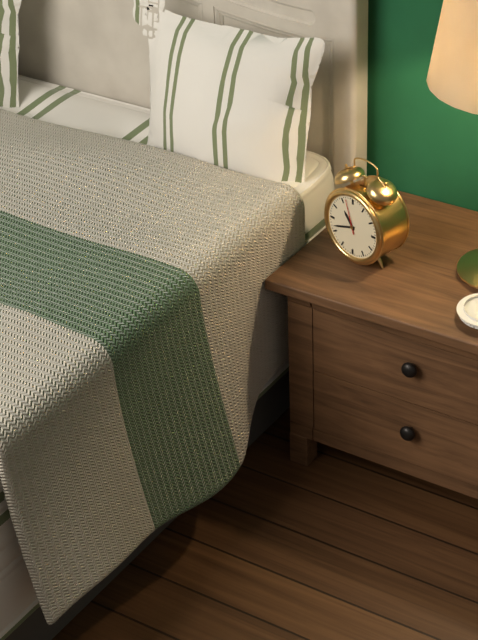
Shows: {"hour": 10, "minute": 42}
